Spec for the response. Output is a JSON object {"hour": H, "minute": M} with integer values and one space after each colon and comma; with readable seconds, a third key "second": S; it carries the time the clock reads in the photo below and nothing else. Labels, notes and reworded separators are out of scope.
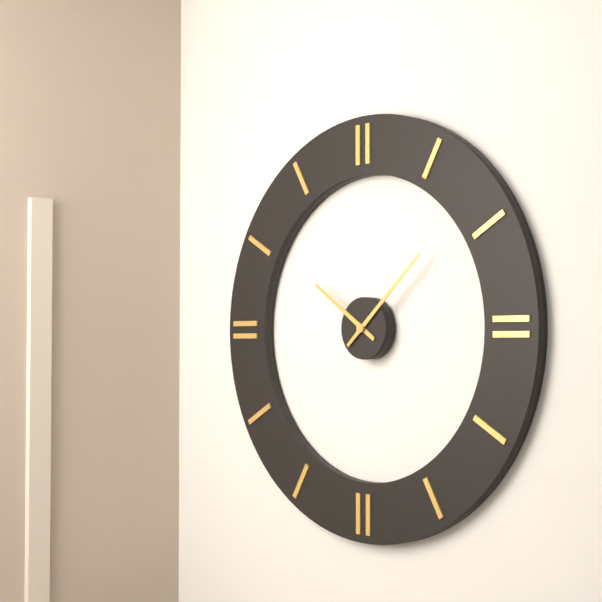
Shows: {"hour": 10, "minute": 8}
